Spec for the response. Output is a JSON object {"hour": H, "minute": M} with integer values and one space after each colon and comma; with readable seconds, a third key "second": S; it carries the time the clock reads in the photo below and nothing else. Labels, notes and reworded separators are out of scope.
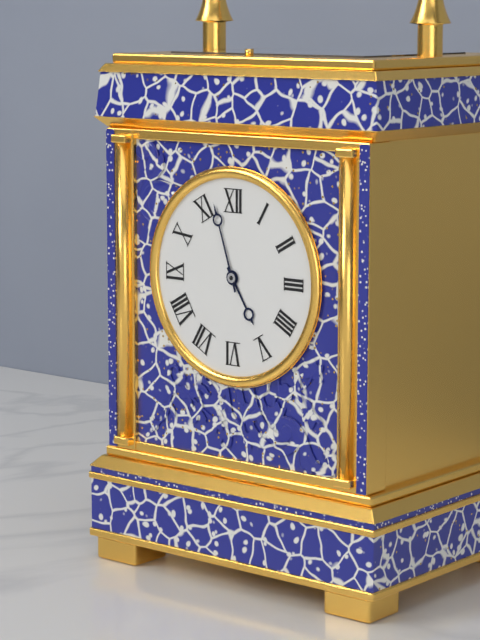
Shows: {"hour": 4, "minute": 57}
